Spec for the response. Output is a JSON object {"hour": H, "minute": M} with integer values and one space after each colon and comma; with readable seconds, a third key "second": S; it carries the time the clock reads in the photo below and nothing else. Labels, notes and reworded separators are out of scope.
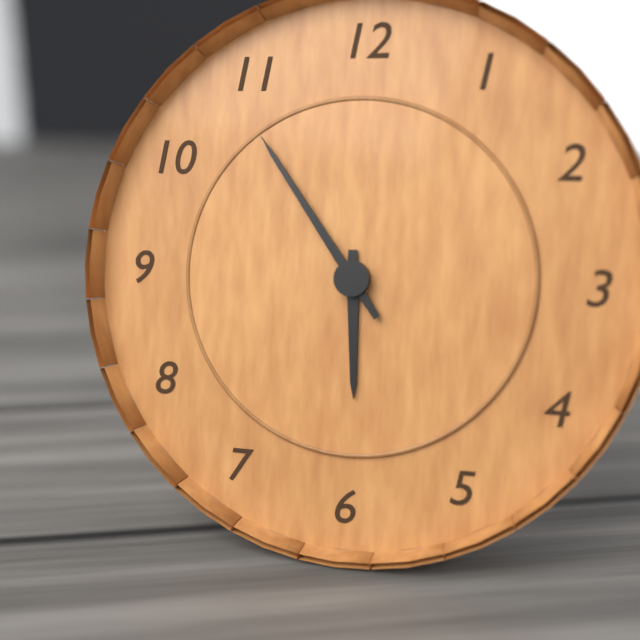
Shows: {"hour": 5, "minute": 54}
